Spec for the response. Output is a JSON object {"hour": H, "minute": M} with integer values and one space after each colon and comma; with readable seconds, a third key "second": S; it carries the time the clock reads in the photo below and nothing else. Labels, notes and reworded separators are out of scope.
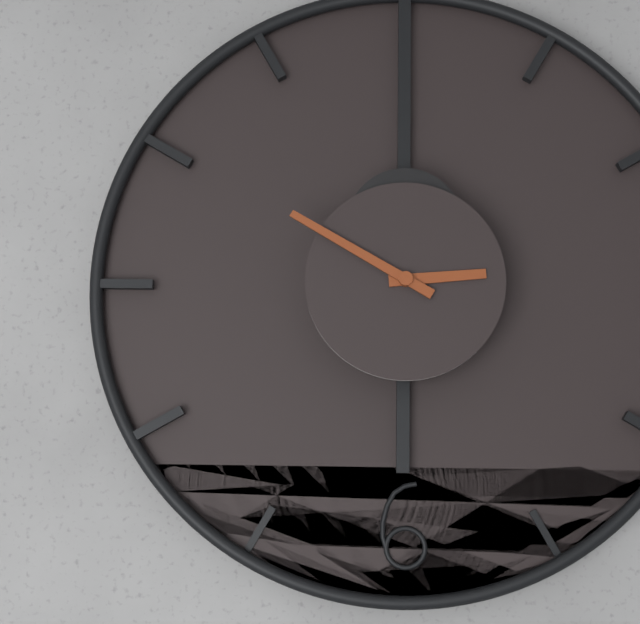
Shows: {"hour": 2, "minute": 50}
